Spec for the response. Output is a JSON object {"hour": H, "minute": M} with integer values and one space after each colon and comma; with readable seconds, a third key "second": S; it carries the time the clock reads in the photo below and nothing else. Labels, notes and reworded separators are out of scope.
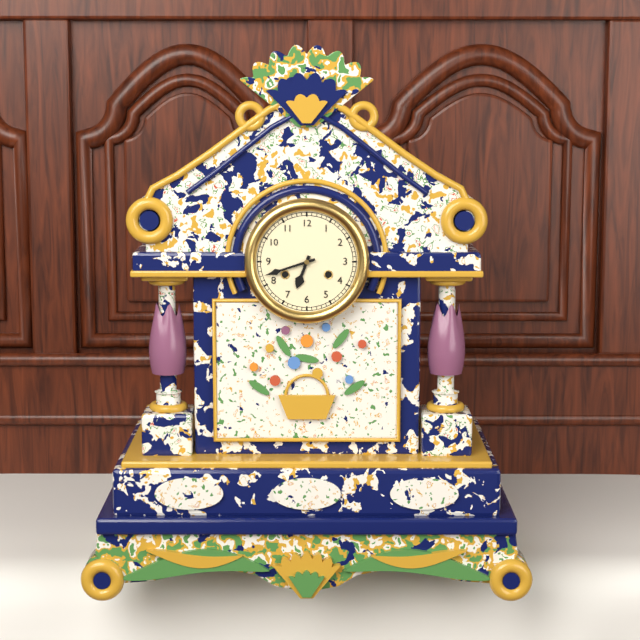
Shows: {"hour": 6, "minute": 42}
